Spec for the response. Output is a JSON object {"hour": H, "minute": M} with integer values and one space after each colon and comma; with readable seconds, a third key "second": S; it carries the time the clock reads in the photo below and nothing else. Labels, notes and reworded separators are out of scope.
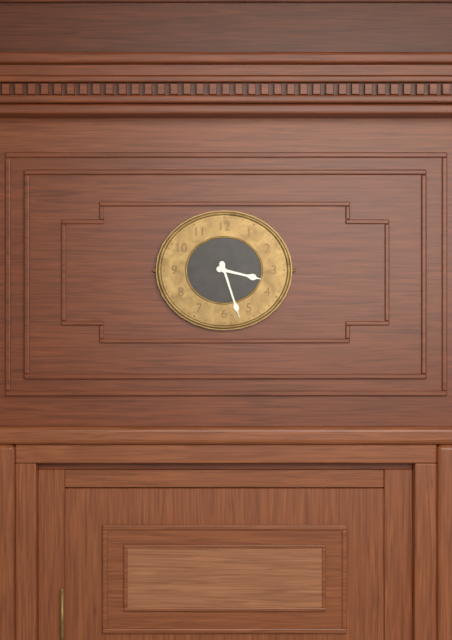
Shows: {"hour": 3, "minute": 27}
